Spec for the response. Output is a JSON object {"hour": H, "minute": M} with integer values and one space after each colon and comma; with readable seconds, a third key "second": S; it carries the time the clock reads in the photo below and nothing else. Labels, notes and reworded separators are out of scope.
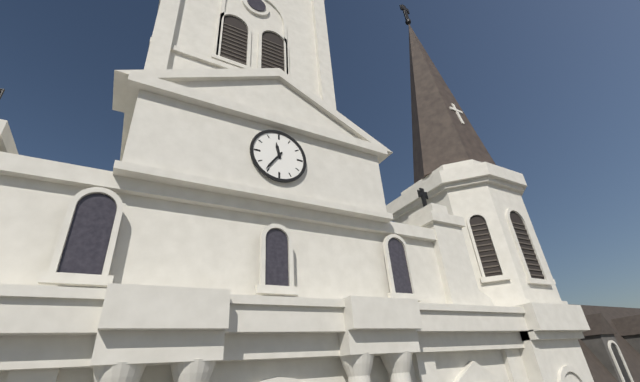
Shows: {"hour": 11, "minute": 36}
